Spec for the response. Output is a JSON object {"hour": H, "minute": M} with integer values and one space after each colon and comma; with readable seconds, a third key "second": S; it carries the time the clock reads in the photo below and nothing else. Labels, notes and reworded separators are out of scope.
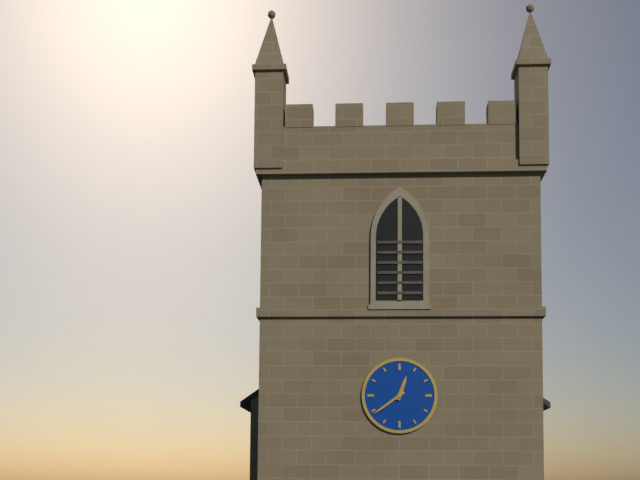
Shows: {"hour": 12, "minute": 39}
